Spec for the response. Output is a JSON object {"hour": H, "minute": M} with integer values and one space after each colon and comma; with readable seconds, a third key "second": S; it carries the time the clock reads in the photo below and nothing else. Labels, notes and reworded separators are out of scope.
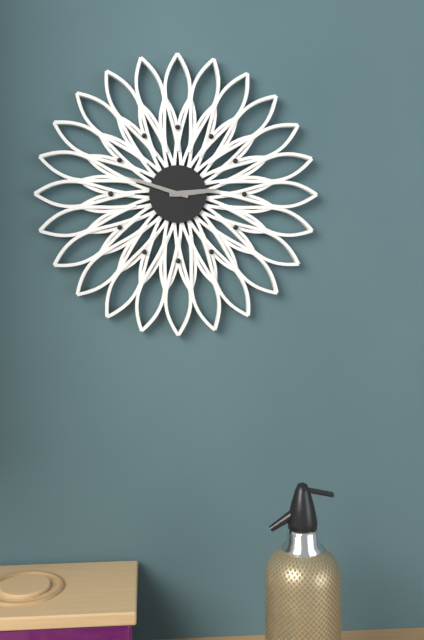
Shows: {"hour": 2, "minute": 48}
